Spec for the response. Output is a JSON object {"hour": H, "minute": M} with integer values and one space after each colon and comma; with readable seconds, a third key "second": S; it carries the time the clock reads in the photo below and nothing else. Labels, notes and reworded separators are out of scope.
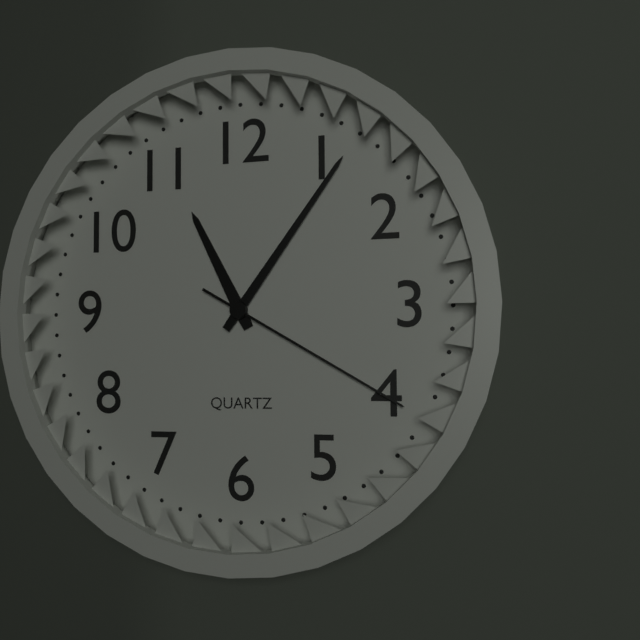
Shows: {"hour": 11, "minute": 6, "second": 20}
